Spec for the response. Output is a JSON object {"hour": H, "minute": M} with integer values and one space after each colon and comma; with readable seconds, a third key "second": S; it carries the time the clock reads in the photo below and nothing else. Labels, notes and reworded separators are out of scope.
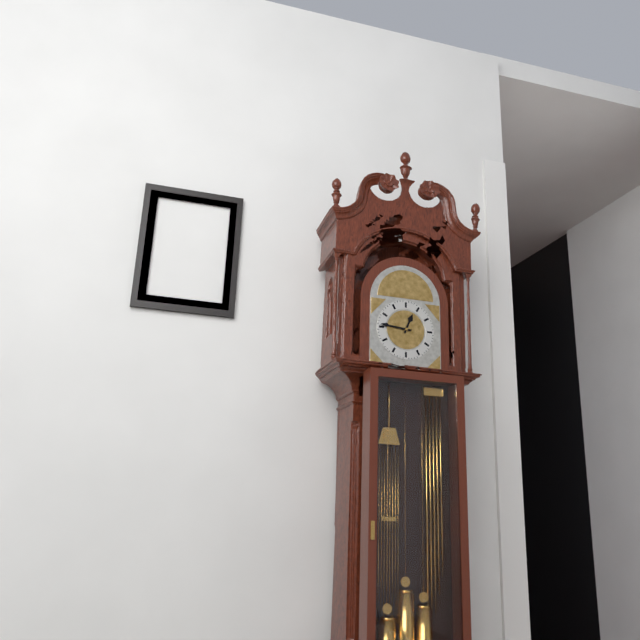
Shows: {"hour": 12, "minute": 46}
